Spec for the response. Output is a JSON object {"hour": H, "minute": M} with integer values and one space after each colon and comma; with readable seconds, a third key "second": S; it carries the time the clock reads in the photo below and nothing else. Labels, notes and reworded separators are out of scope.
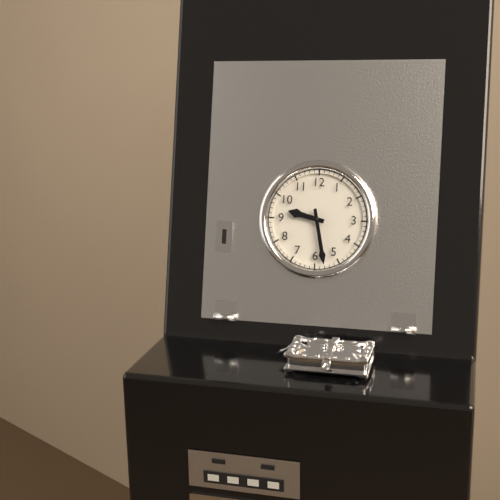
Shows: {"hour": 9, "minute": 28}
